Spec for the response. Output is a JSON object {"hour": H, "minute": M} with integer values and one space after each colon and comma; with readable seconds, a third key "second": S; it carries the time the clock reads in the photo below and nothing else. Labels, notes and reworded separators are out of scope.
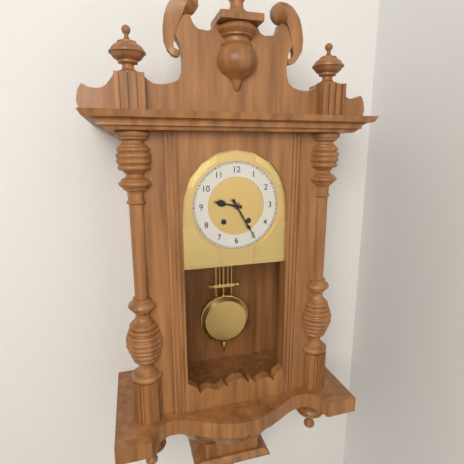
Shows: {"hour": 9, "minute": 25}
